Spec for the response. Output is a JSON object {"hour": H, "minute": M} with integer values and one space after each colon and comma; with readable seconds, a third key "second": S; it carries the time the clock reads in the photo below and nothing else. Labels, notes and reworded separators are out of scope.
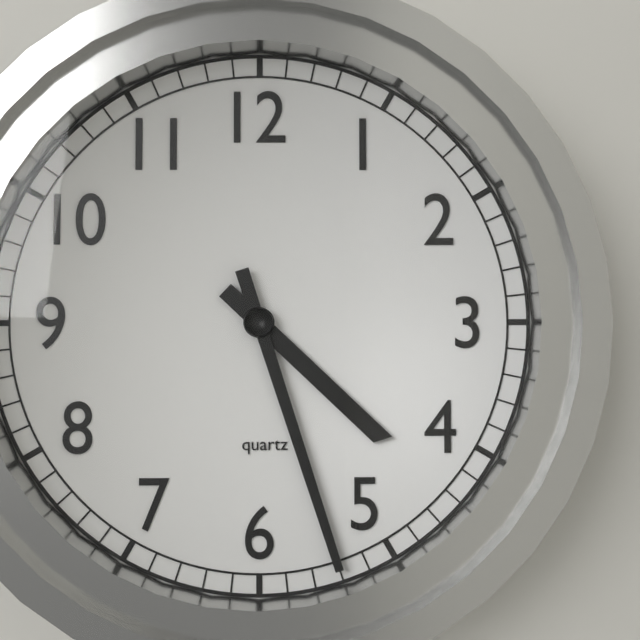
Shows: {"hour": 4, "minute": 27}
